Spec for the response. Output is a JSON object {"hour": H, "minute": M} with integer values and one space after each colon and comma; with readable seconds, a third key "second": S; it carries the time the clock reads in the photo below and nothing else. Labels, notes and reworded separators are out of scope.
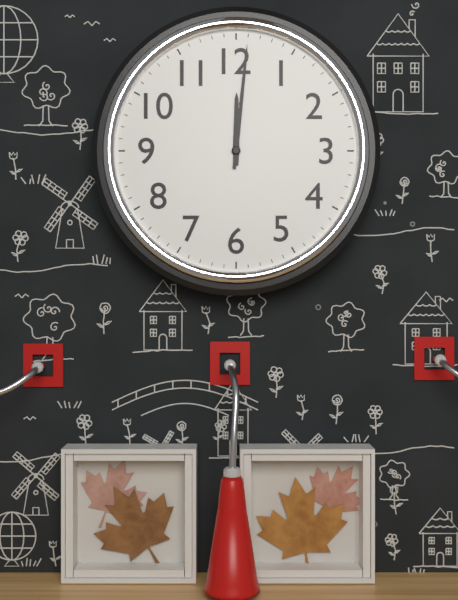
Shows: {"hour": 12, "minute": 1}
